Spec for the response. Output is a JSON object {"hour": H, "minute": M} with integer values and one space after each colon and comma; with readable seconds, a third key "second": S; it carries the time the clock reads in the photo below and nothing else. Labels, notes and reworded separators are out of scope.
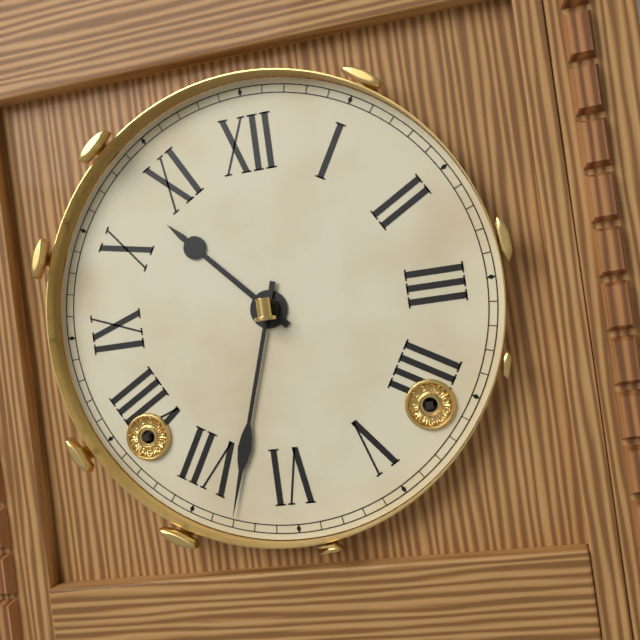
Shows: {"hour": 10, "minute": 33}
